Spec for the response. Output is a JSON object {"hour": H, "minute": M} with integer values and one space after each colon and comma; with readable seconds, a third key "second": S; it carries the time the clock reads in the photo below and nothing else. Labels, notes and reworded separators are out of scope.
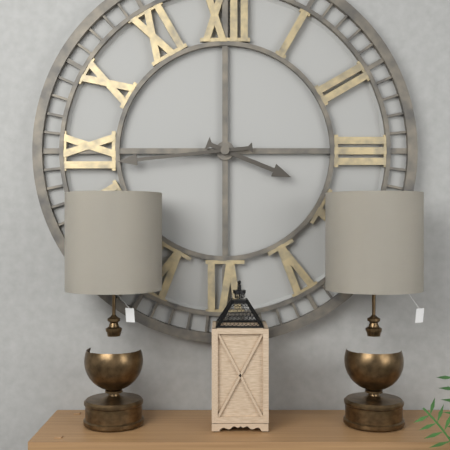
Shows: {"hour": 3, "minute": 44}
